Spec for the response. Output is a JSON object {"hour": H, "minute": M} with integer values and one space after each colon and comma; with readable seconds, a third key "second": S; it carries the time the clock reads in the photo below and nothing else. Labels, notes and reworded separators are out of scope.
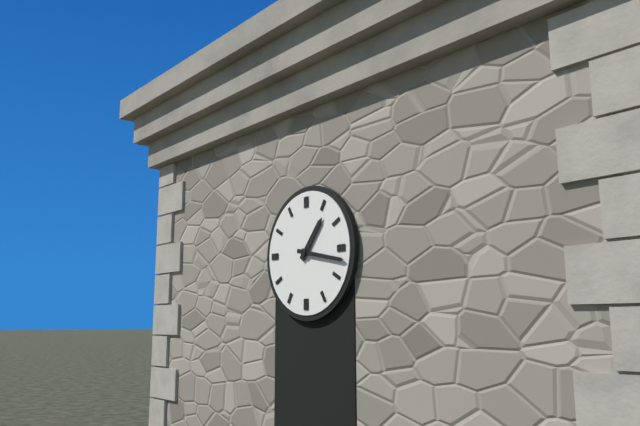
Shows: {"hour": 1, "minute": 17}
